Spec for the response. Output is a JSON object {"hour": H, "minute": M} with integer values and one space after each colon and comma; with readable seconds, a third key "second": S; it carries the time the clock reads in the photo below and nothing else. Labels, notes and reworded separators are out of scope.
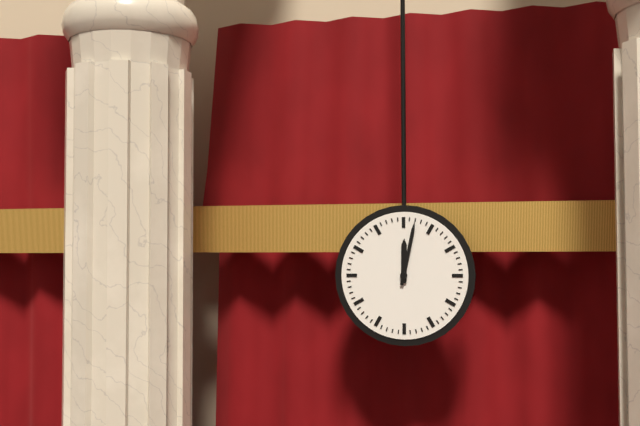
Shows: {"hour": 12, "minute": 2}
